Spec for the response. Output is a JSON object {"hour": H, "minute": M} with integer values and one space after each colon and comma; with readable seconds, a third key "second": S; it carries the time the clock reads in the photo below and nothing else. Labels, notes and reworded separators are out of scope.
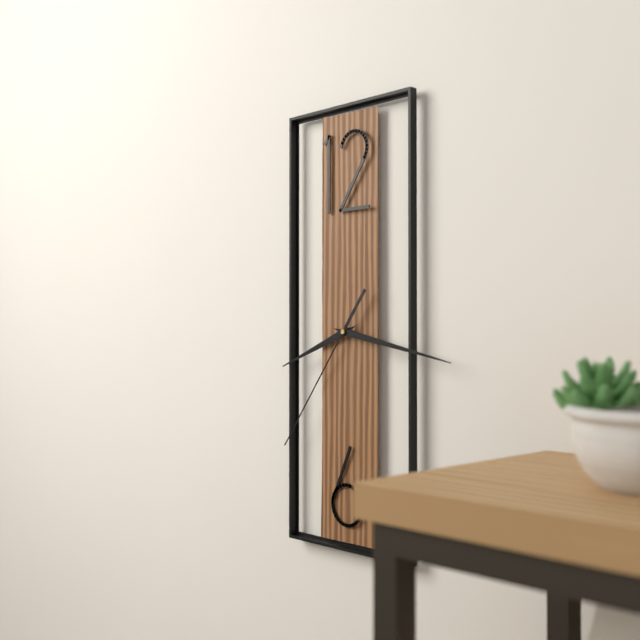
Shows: {"hour": 8, "minute": 17, "second": 36}
